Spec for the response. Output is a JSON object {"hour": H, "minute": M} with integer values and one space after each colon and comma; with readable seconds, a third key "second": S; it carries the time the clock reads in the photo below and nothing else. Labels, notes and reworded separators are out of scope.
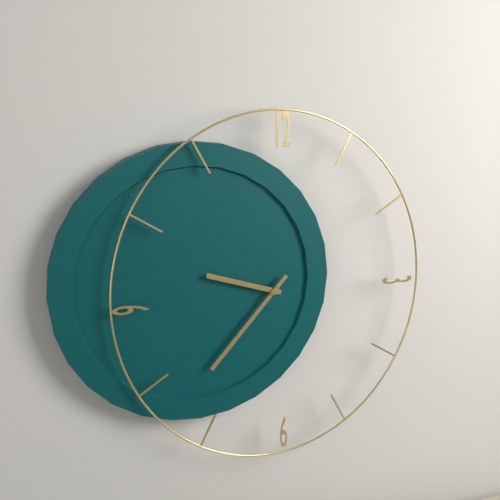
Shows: {"hour": 9, "minute": 37}
